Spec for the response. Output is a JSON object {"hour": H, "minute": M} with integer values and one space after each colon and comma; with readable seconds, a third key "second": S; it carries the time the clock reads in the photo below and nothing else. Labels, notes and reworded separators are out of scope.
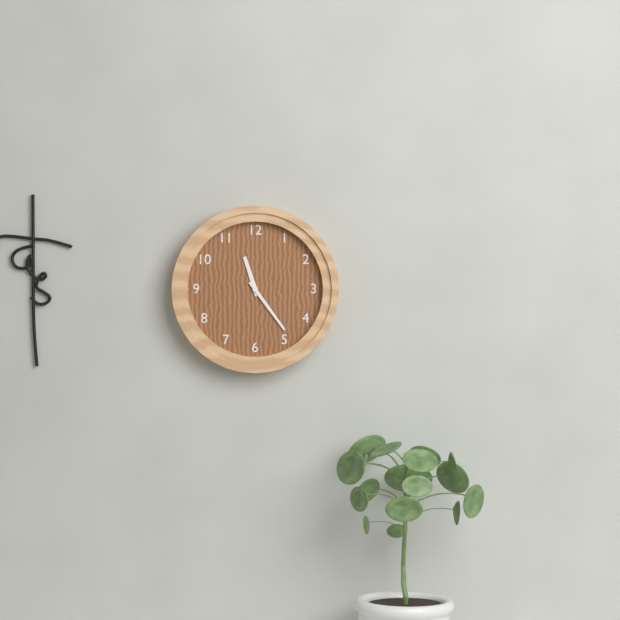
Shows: {"hour": 11, "minute": 24}
